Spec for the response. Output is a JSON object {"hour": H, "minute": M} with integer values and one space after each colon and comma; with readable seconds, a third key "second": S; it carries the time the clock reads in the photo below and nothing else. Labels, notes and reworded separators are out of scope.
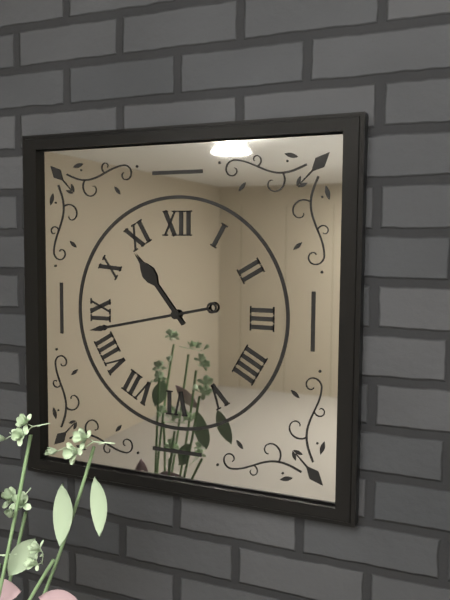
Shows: {"hour": 10, "minute": 43}
